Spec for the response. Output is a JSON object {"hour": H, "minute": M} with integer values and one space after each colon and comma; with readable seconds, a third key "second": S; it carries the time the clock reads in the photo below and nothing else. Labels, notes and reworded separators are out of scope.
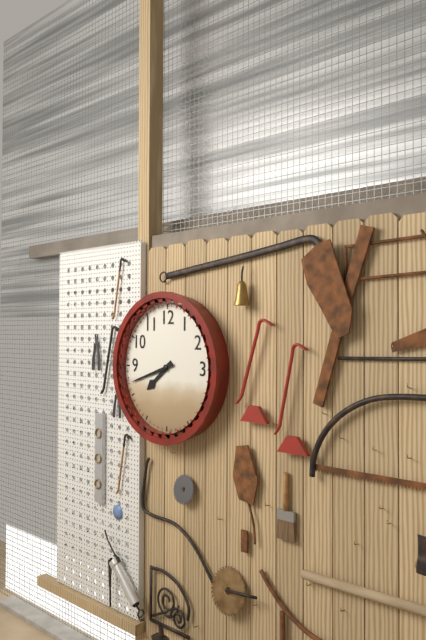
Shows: {"hour": 7, "minute": 42}
